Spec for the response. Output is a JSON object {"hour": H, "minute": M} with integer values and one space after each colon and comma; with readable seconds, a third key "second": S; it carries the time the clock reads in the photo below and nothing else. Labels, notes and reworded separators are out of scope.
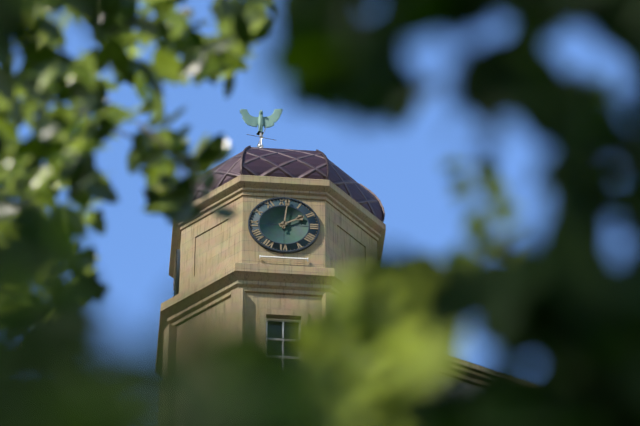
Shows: {"hour": 2, "minute": 1}
